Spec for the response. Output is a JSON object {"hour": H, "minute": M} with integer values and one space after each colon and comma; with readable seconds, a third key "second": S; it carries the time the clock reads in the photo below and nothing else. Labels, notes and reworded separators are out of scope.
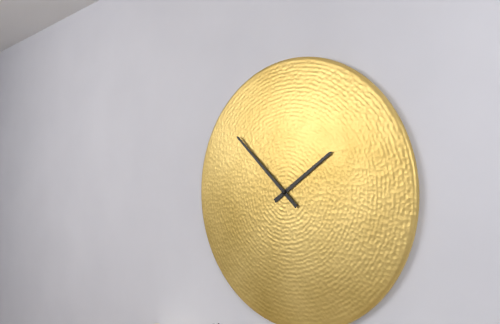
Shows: {"hour": 1, "minute": 52}
